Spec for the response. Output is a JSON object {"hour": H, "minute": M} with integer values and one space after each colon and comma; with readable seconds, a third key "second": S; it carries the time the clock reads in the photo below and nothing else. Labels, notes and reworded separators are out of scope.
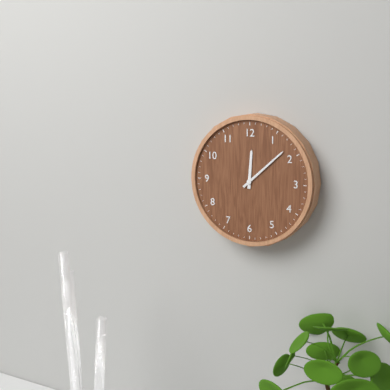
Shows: {"hour": 12, "minute": 8}
